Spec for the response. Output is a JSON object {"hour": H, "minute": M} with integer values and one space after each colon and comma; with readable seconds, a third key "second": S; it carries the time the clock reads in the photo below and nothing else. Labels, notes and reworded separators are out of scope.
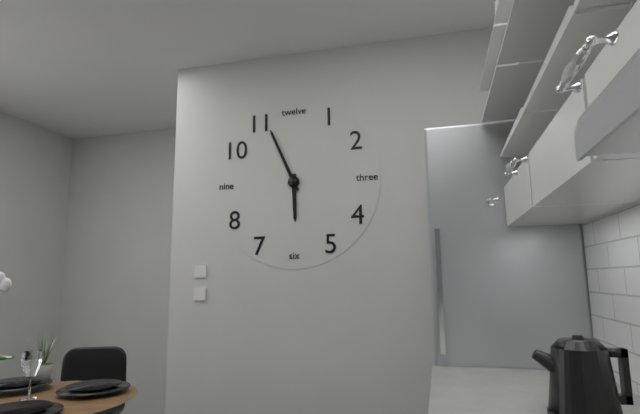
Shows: {"hour": 5, "minute": 56}
